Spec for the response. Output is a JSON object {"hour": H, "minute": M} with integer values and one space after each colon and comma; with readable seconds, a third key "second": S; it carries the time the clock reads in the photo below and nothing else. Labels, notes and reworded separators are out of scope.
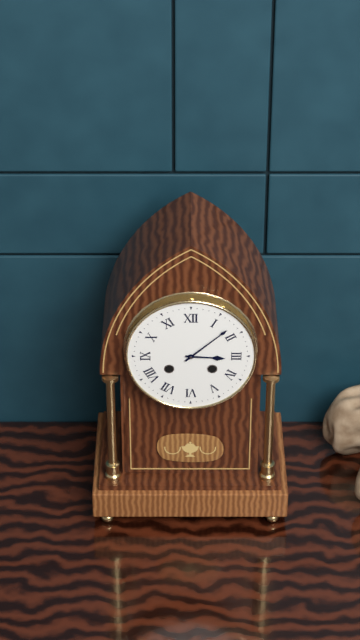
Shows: {"hour": 3, "minute": 8}
